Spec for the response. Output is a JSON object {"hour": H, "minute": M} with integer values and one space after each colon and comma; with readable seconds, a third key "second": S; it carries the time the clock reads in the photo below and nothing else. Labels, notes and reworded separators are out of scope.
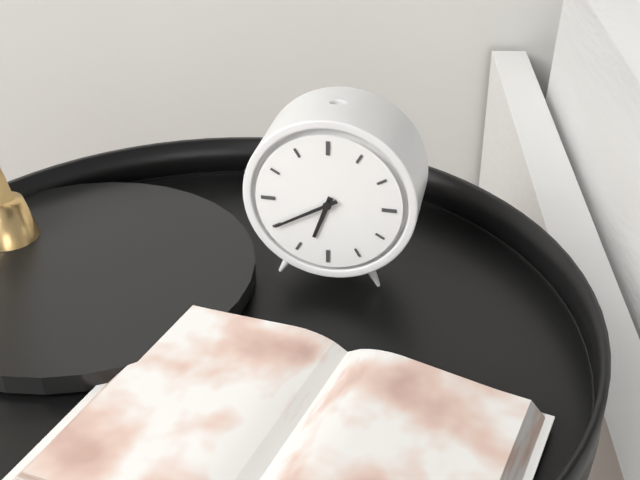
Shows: {"hour": 6, "minute": 40}
